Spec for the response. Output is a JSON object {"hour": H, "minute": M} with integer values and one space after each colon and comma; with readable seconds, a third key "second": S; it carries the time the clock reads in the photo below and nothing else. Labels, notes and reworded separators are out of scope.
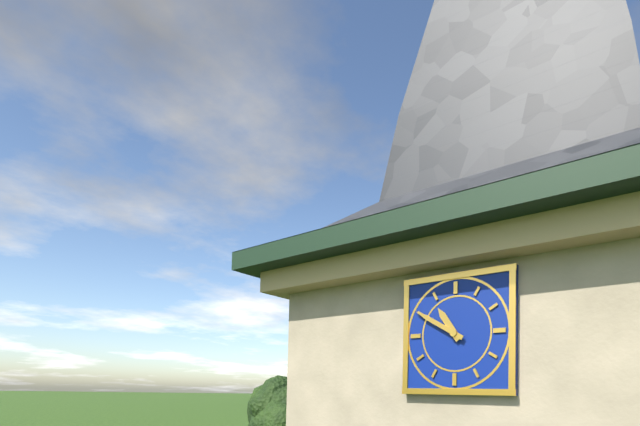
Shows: {"hour": 10, "minute": 50}
